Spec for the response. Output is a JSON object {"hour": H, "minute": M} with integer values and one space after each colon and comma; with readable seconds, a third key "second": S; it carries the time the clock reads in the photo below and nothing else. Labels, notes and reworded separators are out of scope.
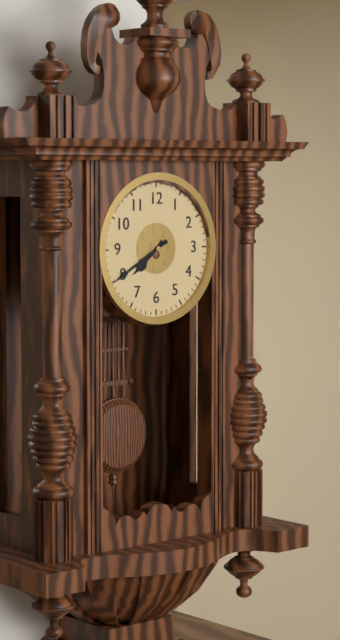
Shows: {"hour": 7, "minute": 40}
